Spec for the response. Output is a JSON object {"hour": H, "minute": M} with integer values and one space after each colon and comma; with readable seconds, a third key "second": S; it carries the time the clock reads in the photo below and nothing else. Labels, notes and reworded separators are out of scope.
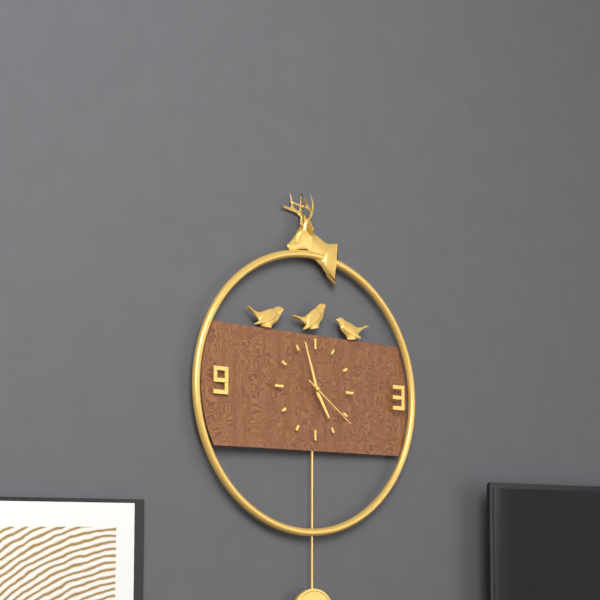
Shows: {"hour": 4, "minute": 57, "second": 21}
